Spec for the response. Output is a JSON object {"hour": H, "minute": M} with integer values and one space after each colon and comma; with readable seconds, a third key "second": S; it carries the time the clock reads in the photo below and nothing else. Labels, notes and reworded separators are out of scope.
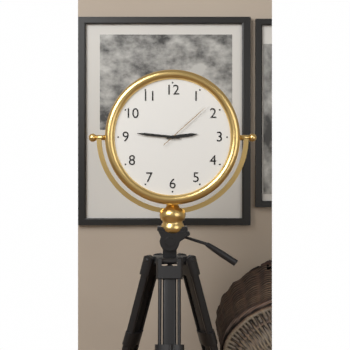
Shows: {"hour": 2, "minute": 46, "second": 8}
